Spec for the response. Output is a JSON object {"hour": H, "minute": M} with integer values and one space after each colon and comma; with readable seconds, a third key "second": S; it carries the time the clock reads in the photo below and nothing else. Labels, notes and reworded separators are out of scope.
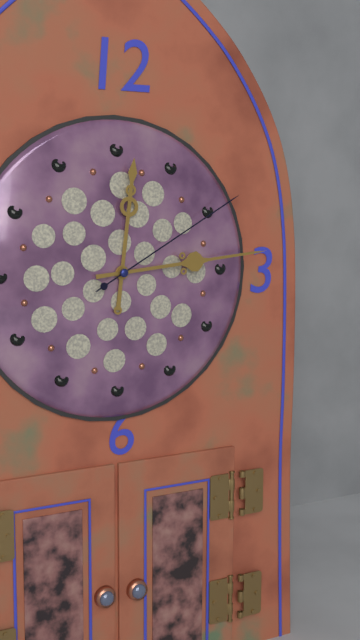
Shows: {"hour": 12, "minute": 14, "second": 10}
